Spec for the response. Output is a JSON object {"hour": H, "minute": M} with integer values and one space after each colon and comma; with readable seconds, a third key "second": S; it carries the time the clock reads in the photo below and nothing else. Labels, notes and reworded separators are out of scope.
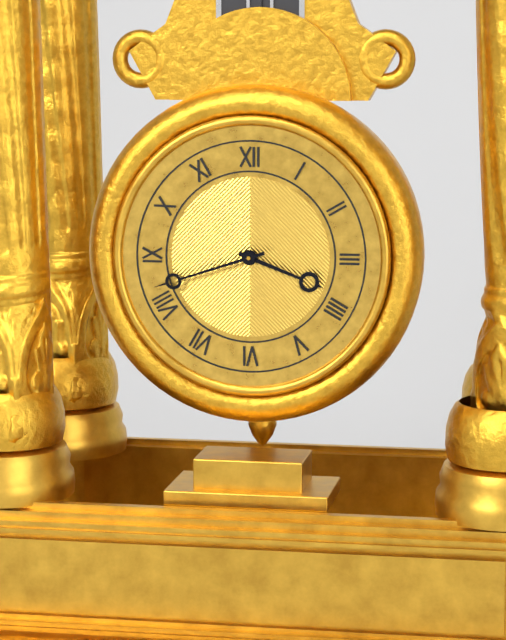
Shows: {"hour": 3, "minute": 42}
